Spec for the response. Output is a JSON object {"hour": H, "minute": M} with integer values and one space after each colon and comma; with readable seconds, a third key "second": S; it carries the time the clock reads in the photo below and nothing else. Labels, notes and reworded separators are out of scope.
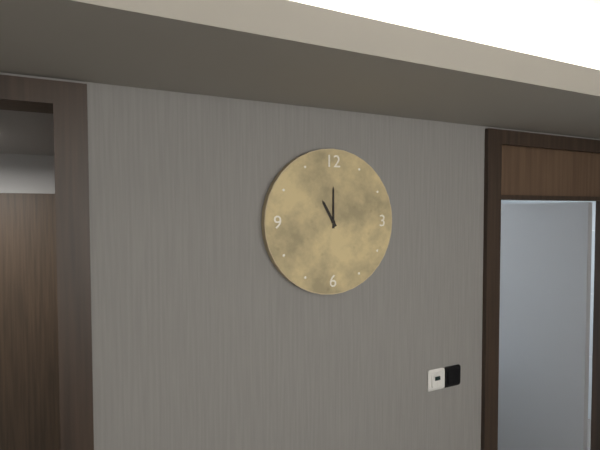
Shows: {"hour": 11, "minute": 0}
